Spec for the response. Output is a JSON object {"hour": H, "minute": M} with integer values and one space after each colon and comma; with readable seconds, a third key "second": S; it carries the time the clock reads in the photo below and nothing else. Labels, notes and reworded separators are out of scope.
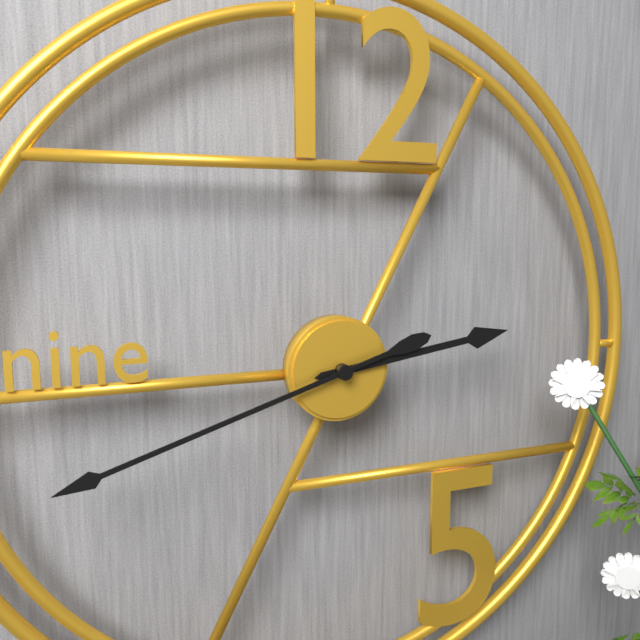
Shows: {"hour": 2, "minute": 42}
